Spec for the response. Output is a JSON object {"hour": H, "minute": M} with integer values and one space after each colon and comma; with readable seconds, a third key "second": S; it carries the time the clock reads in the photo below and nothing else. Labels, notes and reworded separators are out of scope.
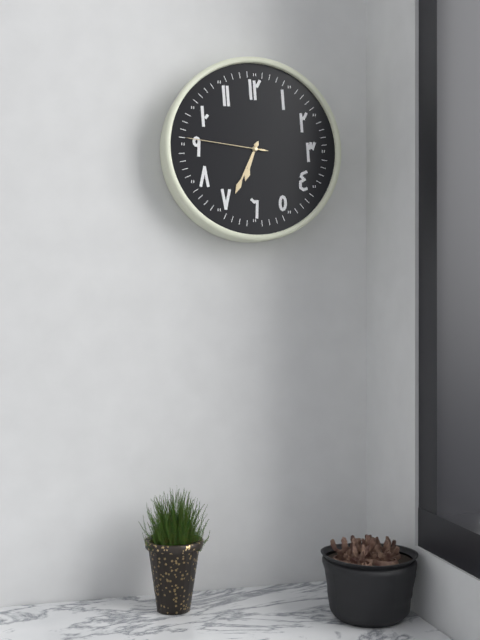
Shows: {"hour": 6, "minute": 34, "second": 46}
